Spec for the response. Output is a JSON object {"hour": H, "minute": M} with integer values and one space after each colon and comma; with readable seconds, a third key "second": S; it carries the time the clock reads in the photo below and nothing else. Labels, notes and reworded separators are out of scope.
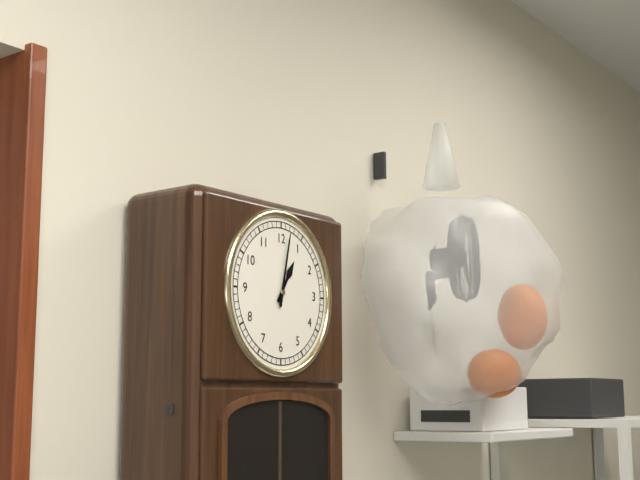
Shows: {"hour": 1, "minute": 2}
